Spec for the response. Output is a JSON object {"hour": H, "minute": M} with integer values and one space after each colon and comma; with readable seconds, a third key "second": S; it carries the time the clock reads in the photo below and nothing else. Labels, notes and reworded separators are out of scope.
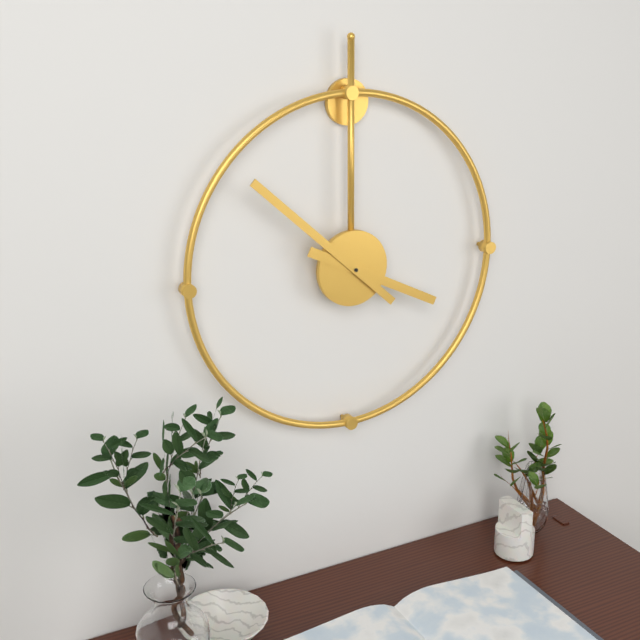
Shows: {"hour": 3, "minute": 52}
